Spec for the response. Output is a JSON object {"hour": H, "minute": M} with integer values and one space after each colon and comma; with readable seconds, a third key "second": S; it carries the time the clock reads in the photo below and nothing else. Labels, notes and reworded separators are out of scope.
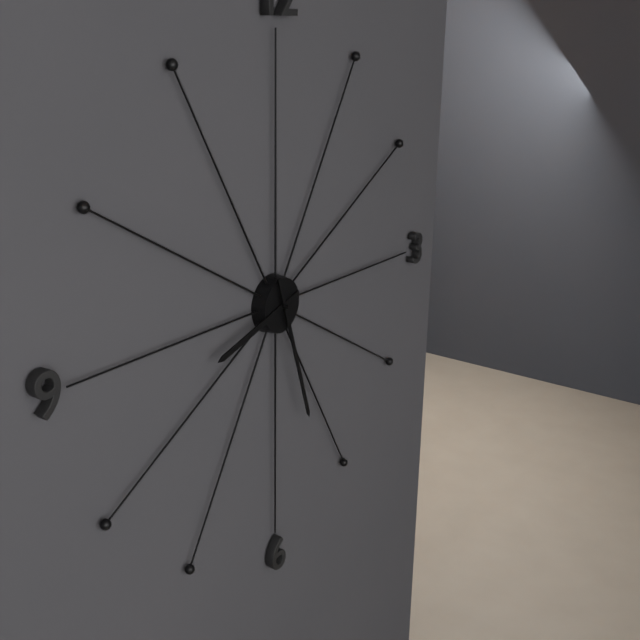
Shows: {"hour": 8, "minute": 27}
